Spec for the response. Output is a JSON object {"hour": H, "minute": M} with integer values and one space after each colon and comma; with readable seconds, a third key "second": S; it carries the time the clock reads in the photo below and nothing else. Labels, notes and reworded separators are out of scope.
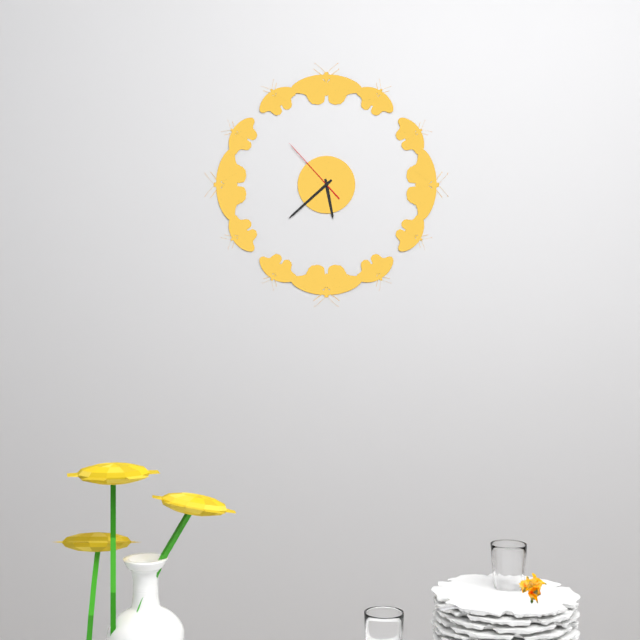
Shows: {"hour": 5, "minute": 38, "second": 53}
